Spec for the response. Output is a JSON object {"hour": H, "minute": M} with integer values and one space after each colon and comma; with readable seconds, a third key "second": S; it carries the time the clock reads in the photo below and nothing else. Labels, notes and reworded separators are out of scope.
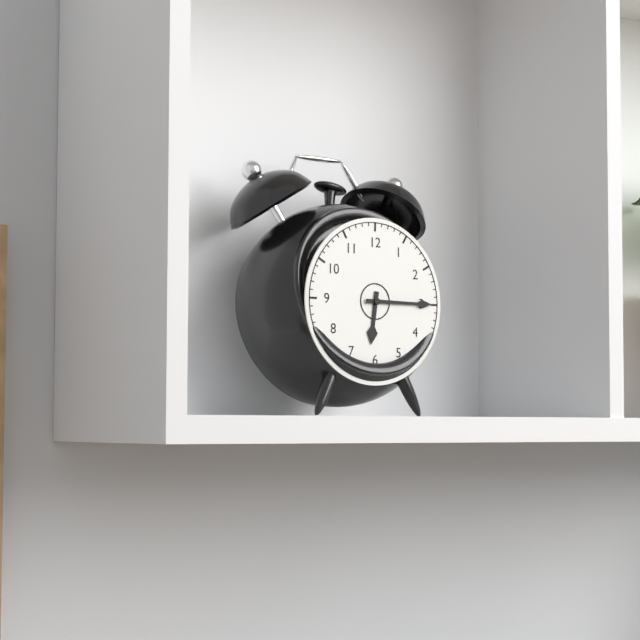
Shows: {"hour": 6, "minute": 15}
